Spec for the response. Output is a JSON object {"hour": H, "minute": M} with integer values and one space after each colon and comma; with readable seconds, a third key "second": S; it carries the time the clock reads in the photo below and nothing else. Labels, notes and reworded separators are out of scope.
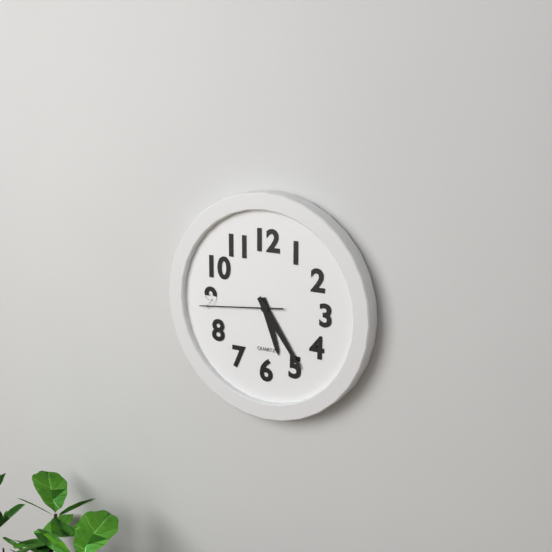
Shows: {"hour": 5, "minute": 24, "second": 44}
